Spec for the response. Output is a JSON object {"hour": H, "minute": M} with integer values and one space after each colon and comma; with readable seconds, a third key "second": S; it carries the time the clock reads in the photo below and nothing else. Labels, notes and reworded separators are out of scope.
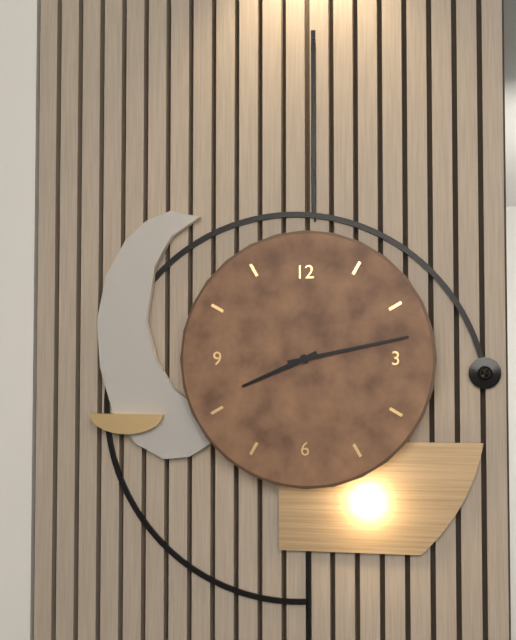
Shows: {"hour": 8, "minute": 13}
